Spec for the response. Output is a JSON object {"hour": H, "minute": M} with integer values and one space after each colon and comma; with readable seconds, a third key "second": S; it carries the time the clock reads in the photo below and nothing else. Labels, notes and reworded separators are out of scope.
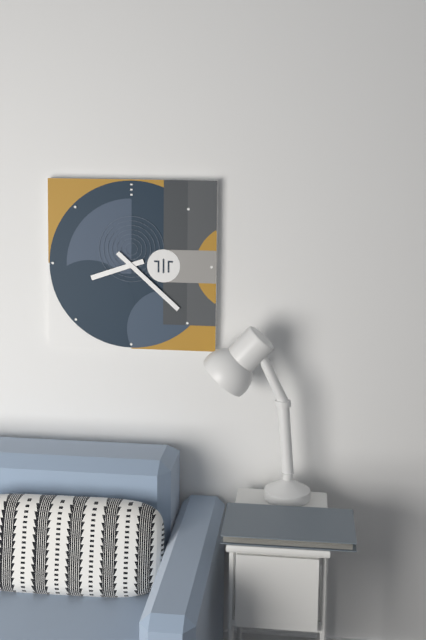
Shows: {"hour": 8, "minute": 22}
